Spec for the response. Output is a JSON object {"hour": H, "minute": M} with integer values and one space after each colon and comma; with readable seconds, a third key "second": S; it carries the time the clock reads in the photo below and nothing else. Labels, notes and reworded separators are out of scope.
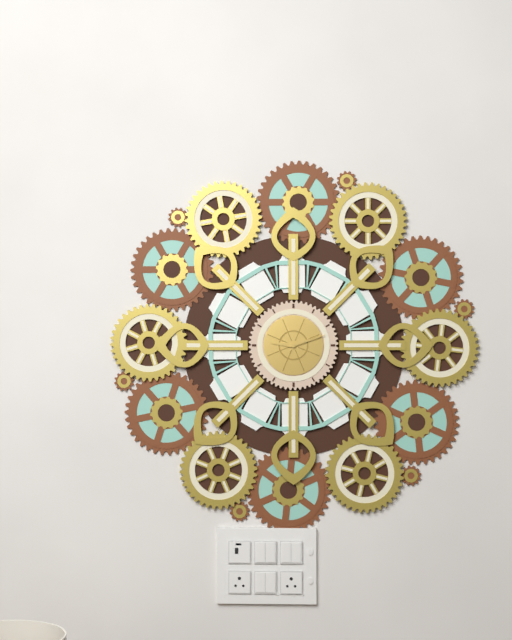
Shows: {"hour": 9, "minute": 12}
